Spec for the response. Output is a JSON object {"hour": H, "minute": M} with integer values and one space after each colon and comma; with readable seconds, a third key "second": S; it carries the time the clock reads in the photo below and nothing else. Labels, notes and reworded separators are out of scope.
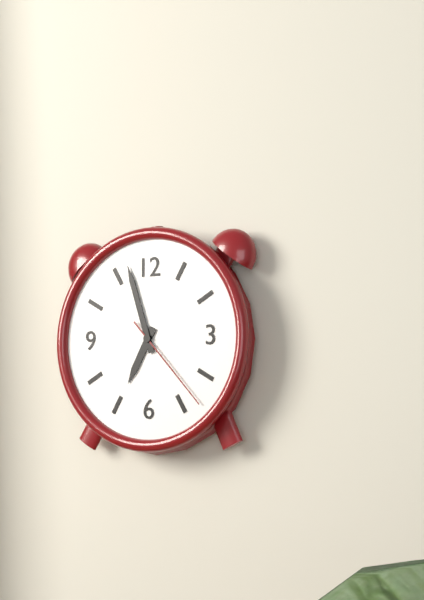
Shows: {"hour": 6, "minute": 57, "second": 23}
